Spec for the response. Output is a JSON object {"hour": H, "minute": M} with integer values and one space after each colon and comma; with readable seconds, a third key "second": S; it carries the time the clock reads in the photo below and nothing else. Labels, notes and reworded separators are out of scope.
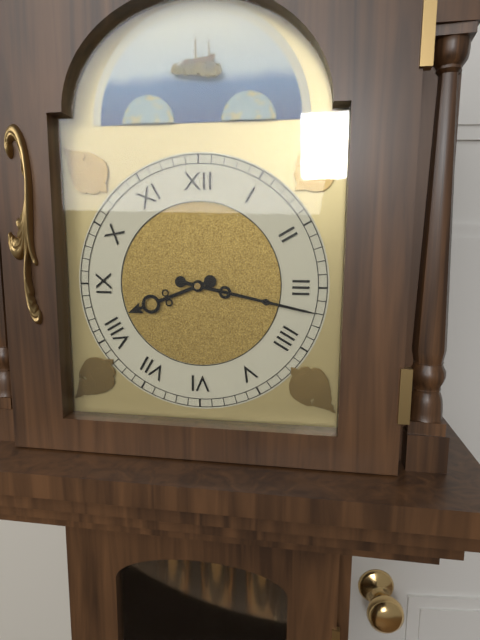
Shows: {"hour": 8, "minute": 17}
